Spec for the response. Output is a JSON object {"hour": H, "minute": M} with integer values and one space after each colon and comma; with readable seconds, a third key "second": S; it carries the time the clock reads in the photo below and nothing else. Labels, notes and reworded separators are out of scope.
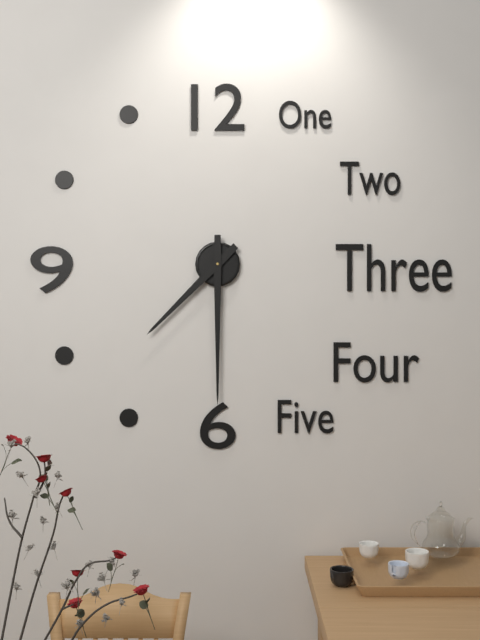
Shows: {"hour": 7, "minute": 30}
